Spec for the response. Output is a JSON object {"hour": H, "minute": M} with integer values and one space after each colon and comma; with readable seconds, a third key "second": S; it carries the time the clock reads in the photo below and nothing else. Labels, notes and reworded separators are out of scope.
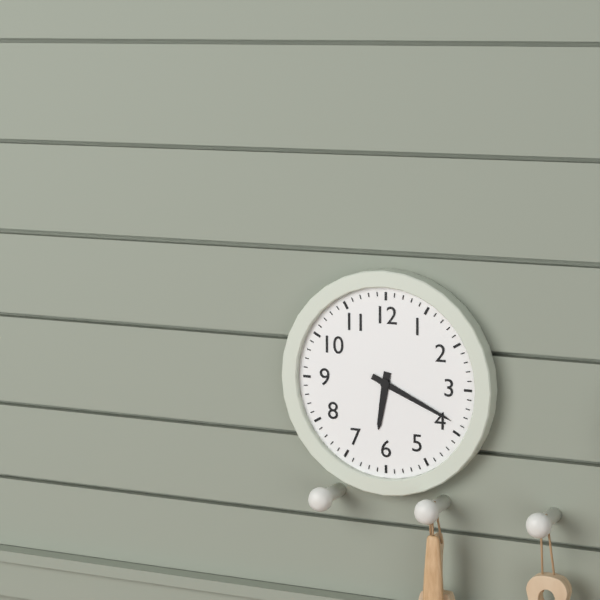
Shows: {"hour": 6, "minute": 19}
